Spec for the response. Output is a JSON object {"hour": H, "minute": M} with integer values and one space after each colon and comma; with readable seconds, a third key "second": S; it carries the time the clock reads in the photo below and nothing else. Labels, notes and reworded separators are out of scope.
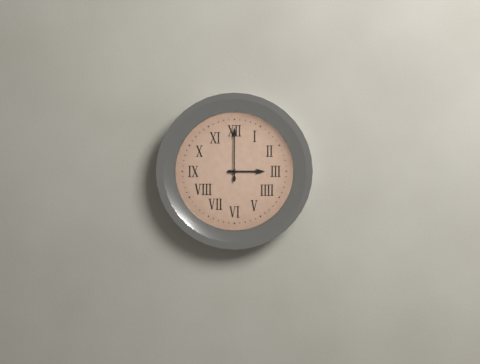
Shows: {"hour": 3, "minute": 0}
